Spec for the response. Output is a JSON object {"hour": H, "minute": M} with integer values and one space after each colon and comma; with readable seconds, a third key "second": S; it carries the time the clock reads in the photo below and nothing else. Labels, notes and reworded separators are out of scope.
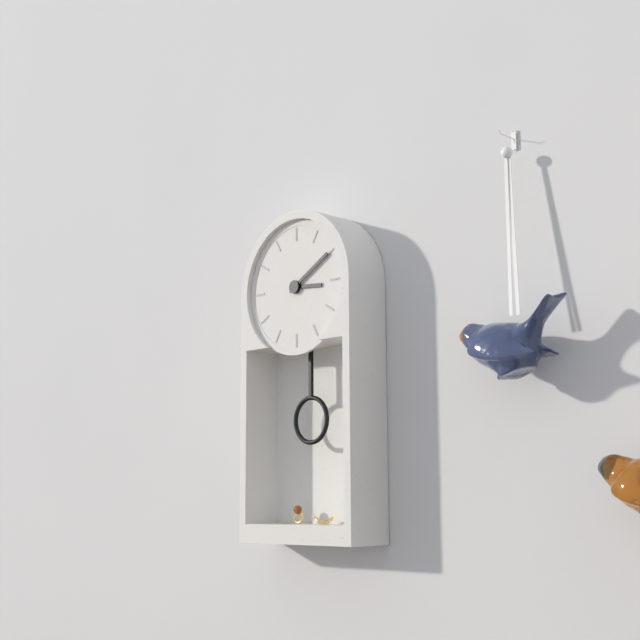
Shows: {"hour": 3, "minute": 10}
